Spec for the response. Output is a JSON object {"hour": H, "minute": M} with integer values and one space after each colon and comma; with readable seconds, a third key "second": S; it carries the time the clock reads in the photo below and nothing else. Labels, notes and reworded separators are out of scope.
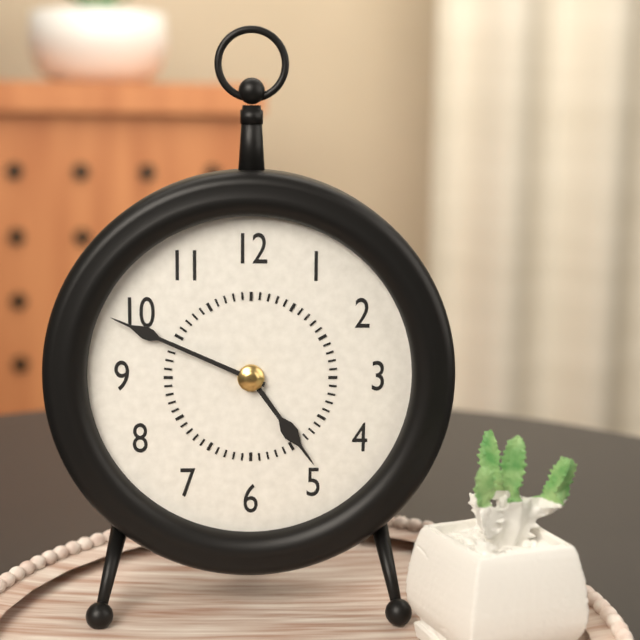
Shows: {"hour": 4, "minute": 49}
